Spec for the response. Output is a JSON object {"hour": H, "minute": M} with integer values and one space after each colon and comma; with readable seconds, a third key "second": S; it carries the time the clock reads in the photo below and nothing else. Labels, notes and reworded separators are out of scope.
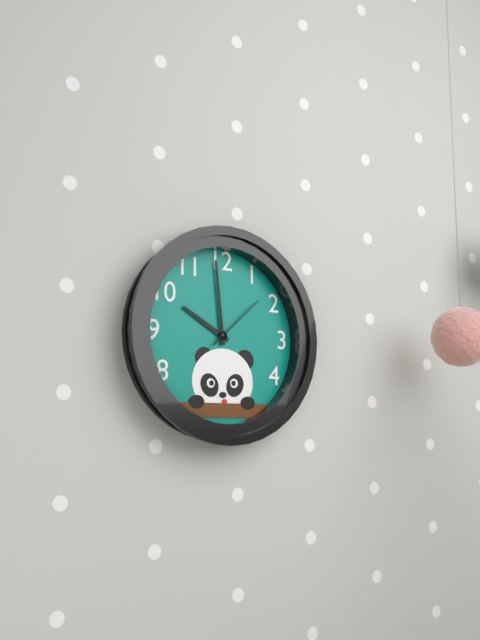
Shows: {"hour": 9, "minute": 59, "second": 8}
